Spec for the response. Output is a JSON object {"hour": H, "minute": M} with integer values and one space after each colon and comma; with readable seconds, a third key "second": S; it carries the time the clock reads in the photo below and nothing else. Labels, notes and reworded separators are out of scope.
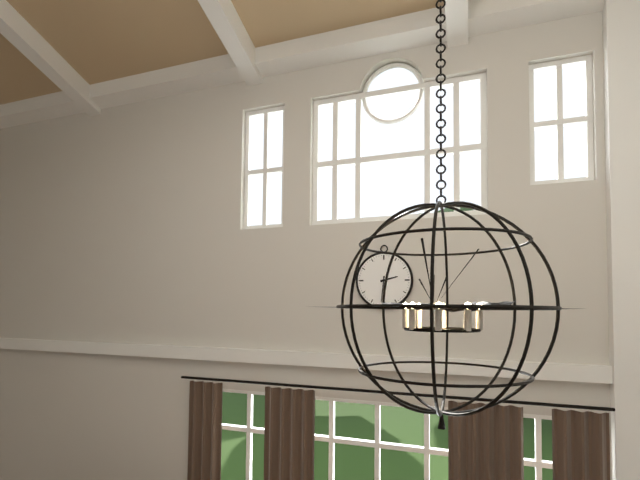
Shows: {"hour": 2, "minute": 31}
